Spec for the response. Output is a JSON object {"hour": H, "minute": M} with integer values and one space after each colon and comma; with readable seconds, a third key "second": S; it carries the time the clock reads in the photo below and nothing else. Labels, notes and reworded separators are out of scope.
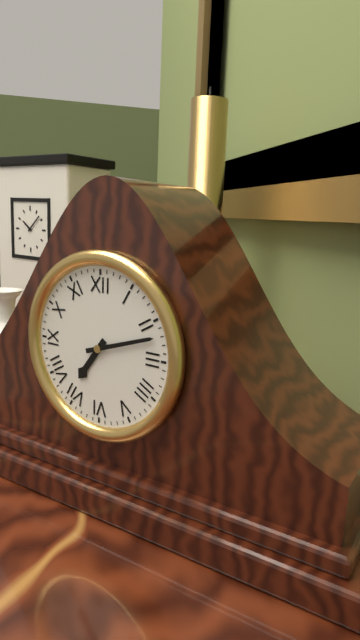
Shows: {"hour": 7, "minute": 12}
